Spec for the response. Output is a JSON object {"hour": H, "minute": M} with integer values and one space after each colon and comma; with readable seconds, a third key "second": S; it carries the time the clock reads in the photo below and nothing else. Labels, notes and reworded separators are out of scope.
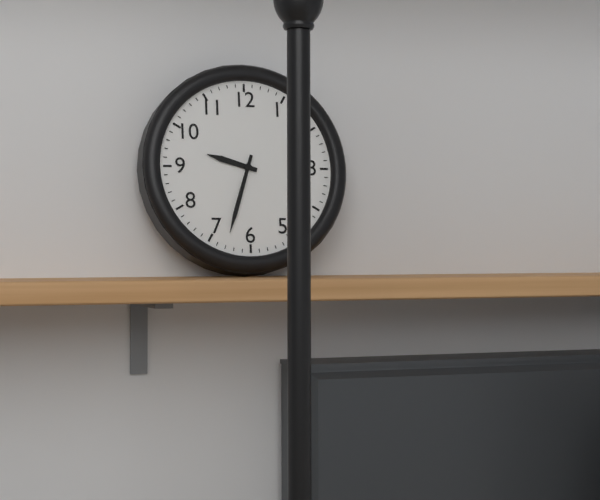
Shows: {"hour": 9, "minute": 33}
